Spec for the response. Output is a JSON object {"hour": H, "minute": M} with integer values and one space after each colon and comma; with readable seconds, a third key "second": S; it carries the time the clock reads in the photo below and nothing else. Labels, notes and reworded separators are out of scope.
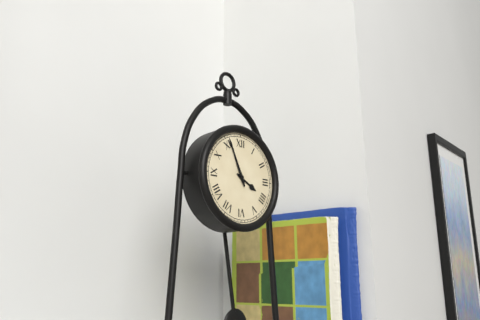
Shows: {"hour": 3, "minute": 56}
